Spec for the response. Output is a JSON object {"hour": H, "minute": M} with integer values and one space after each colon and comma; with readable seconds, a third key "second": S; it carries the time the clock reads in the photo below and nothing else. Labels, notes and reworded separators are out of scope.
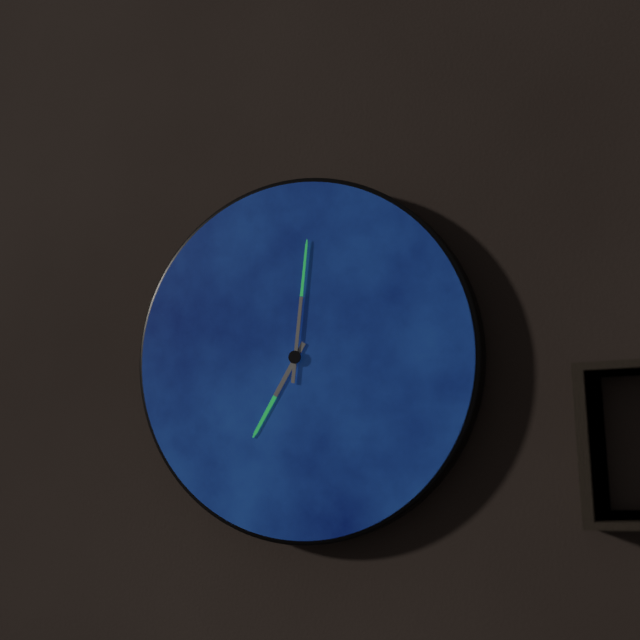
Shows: {"hour": 7, "minute": 1}
